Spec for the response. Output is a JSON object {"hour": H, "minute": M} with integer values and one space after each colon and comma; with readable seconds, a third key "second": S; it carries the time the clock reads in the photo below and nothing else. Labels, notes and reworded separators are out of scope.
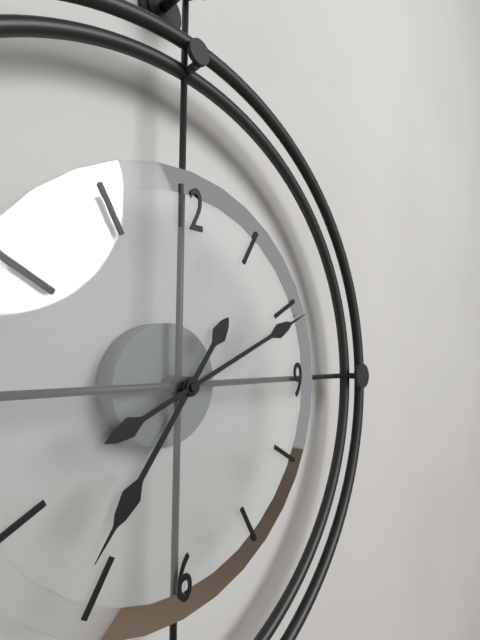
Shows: {"hour": 7, "minute": 11}
